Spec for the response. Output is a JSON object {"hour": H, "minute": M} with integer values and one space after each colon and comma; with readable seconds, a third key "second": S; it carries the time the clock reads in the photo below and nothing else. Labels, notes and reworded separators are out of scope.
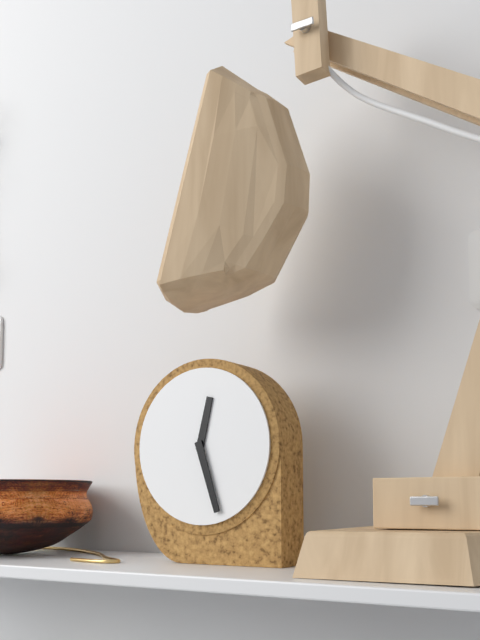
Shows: {"hour": 12, "minute": 27}
